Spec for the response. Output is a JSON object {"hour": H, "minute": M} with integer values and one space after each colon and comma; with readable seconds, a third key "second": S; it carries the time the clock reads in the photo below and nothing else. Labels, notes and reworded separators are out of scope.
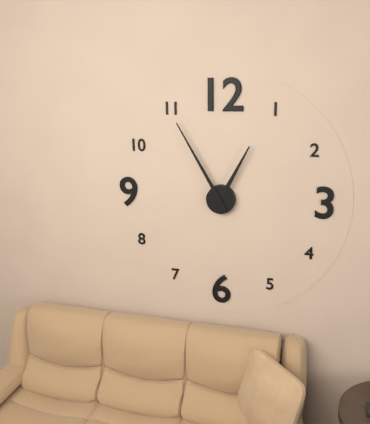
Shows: {"hour": 12, "minute": 55}
